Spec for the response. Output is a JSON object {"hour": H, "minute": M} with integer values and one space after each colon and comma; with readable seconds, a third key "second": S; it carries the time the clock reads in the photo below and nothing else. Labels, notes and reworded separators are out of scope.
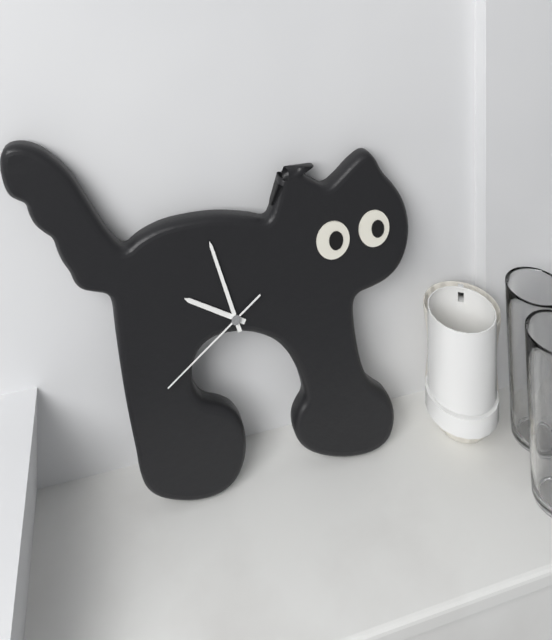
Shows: {"hour": 9, "minute": 57, "second": 39}
